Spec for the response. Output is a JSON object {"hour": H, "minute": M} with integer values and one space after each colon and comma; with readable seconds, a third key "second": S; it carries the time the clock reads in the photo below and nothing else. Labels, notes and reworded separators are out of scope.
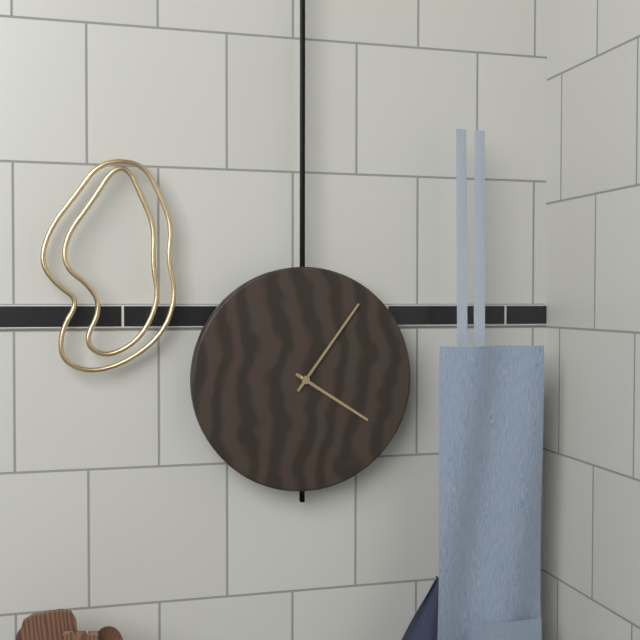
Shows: {"hour": 4, "minute": 6}
